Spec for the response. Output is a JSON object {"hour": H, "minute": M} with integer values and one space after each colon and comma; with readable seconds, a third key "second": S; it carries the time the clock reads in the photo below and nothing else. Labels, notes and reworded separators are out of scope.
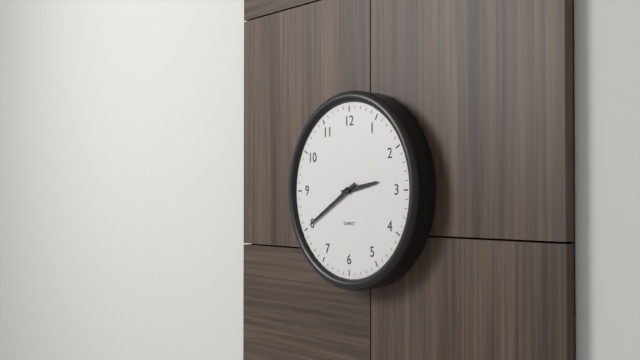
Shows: {"hour": 2, "minute": 40}
